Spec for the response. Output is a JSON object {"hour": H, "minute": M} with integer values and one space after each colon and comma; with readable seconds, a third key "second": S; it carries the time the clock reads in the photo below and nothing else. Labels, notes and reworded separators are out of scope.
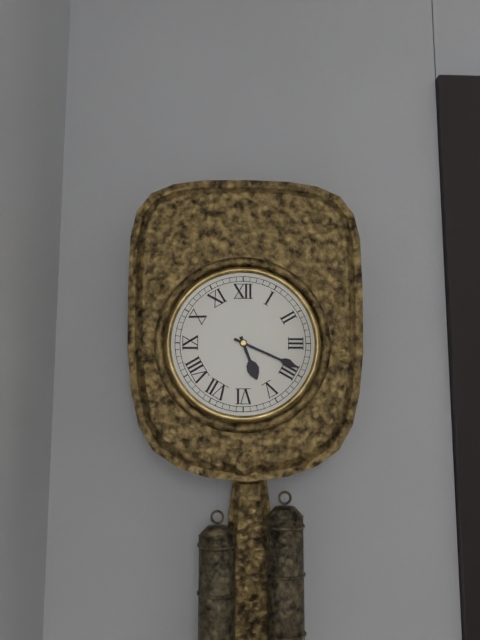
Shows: {"hour": 5, "minute": 19}
